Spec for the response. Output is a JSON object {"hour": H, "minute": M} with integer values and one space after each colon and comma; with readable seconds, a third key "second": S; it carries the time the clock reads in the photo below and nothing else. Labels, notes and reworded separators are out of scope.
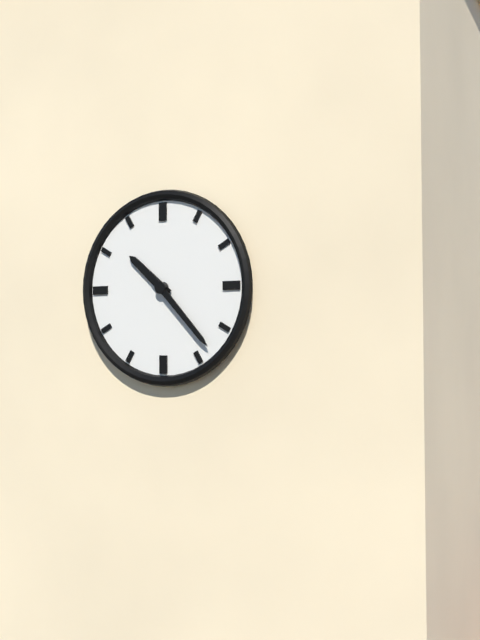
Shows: {"hour": 10, "minute": 23}
